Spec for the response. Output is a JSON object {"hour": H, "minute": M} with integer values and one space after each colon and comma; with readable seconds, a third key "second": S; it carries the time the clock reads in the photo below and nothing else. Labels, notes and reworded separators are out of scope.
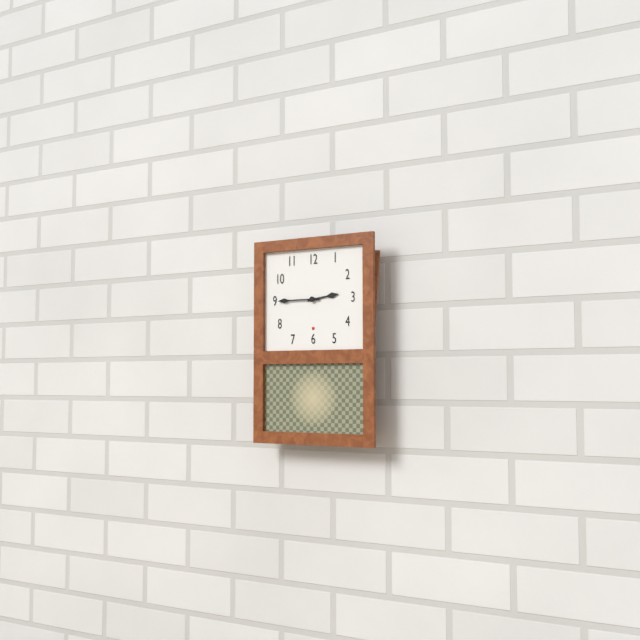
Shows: {"hour": 2, "minute": 45}
